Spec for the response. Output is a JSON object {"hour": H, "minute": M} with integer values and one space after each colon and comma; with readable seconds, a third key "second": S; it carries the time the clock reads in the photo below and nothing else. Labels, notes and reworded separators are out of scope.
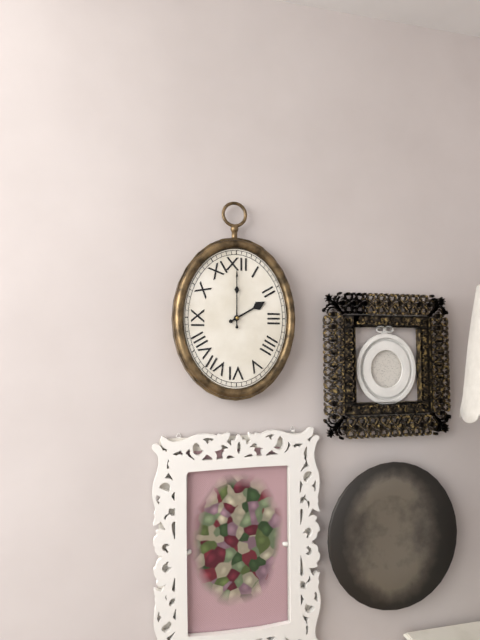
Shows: {"hour": 2, "minute": 0}
